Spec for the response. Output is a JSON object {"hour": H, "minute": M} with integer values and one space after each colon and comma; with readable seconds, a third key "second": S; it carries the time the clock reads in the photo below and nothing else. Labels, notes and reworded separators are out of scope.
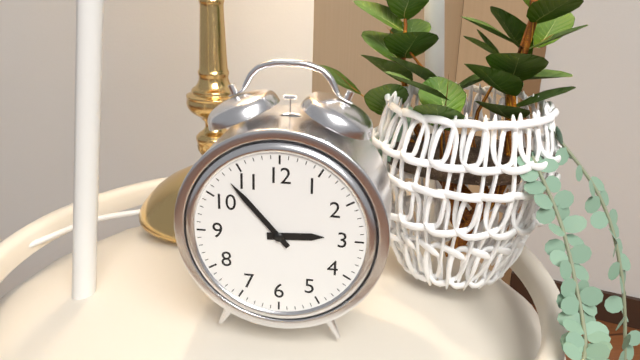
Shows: {"hour": 2, "minute": 53}
